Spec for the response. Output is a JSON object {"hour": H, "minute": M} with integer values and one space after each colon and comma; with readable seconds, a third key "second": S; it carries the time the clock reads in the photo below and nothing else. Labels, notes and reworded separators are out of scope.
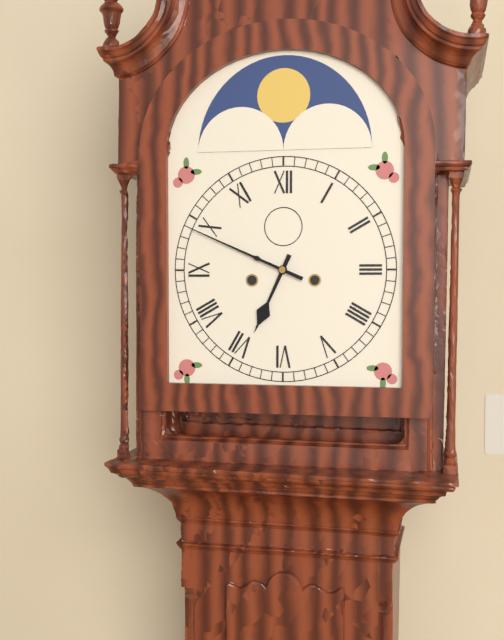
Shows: {"hour": 6, "minute": 49}
